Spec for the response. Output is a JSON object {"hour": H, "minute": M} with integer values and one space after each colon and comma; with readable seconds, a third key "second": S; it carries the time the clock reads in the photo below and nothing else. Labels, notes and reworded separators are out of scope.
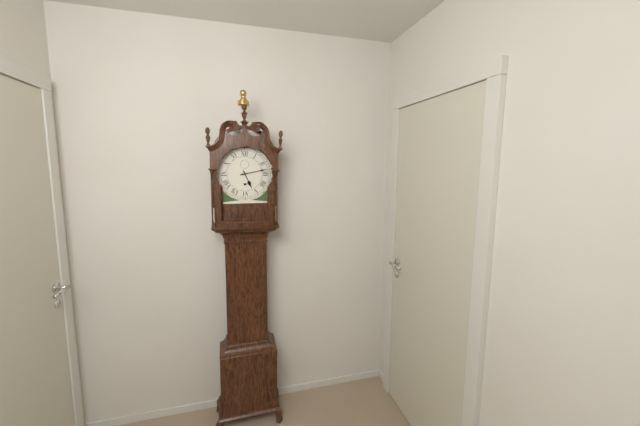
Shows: {"hour": 5, "minute": 13}
